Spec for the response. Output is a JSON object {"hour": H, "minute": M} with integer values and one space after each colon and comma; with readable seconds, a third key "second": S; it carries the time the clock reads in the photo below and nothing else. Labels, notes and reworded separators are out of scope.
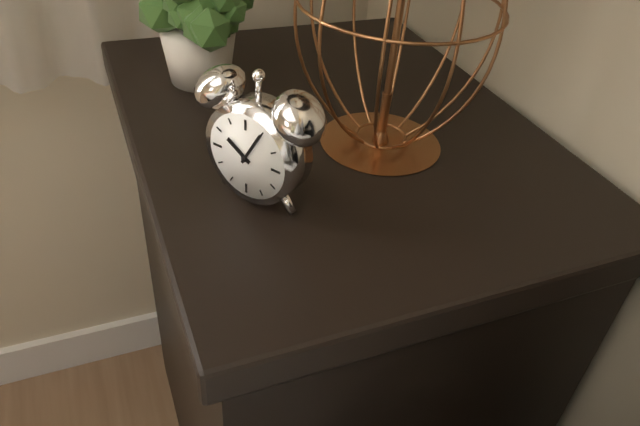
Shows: {"hour": 10, "minute": 5}
